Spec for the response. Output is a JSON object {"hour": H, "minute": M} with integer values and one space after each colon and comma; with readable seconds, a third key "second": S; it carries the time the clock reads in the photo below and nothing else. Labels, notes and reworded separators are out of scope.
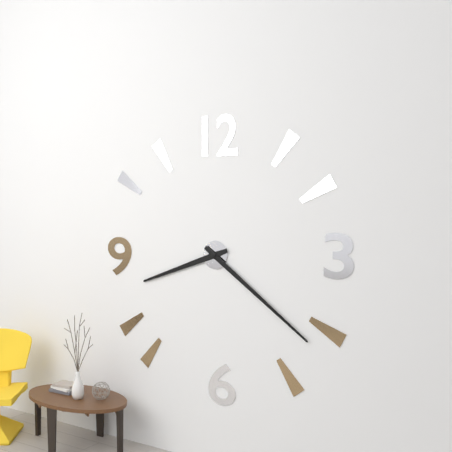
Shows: {"hour": 8, "minute": 21}
